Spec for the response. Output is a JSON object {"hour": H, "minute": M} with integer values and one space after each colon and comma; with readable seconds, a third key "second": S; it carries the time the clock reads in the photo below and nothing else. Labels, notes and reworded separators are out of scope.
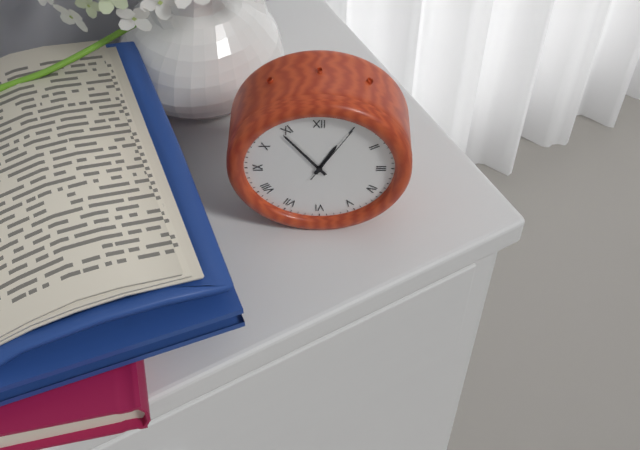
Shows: {"hour": 12, "minute": 54, "second": 5}
